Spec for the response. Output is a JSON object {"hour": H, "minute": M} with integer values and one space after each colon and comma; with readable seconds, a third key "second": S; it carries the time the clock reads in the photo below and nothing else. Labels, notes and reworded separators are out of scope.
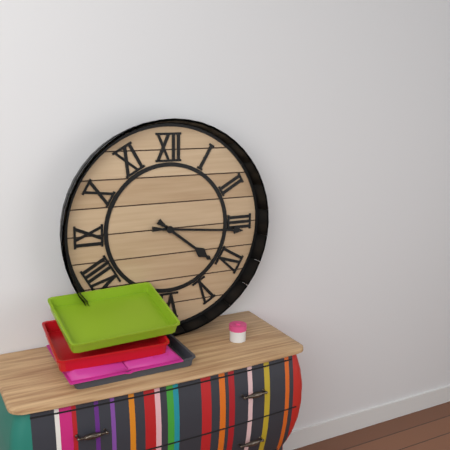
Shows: {"hour": 4, "minute": 16}
